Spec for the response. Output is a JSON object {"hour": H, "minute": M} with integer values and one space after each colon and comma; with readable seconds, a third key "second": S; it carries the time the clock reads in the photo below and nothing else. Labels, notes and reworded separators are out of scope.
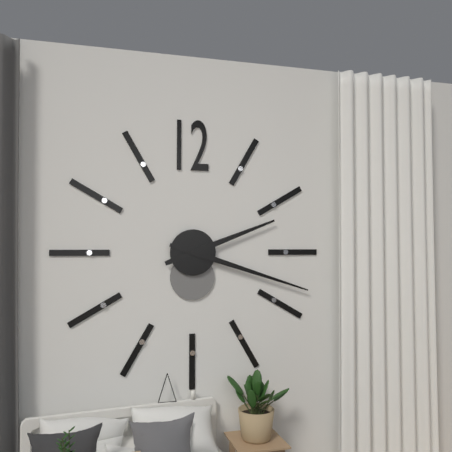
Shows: {"hour": 2, "minute": 18}
